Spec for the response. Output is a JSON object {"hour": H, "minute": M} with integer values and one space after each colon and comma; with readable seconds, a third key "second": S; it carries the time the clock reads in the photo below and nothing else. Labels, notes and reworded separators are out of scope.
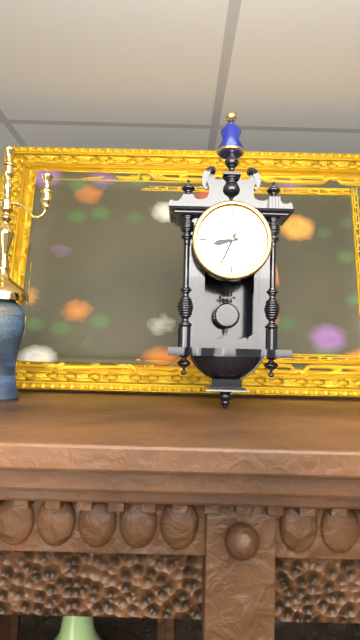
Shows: {"hour": 8, "minute": 34}
